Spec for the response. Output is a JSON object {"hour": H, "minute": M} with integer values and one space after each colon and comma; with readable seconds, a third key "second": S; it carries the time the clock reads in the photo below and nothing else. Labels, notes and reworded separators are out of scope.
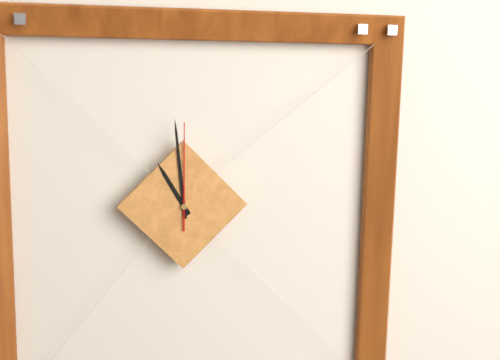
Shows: {"hour": 10, "minute": 59, "second": 0}
